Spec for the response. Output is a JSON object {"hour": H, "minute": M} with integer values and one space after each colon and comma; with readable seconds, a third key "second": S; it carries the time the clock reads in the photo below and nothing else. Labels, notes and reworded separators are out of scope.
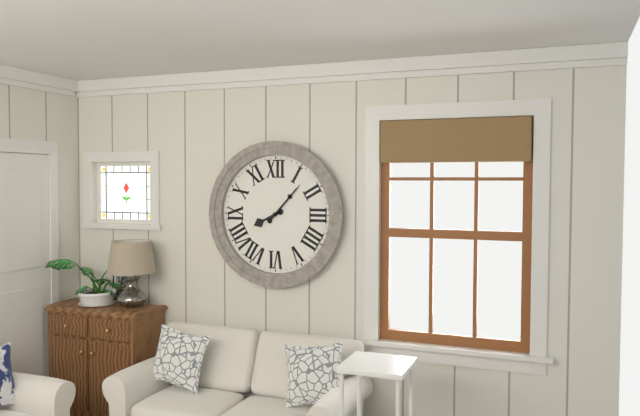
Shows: {"hour": 8, "minute": 7}
